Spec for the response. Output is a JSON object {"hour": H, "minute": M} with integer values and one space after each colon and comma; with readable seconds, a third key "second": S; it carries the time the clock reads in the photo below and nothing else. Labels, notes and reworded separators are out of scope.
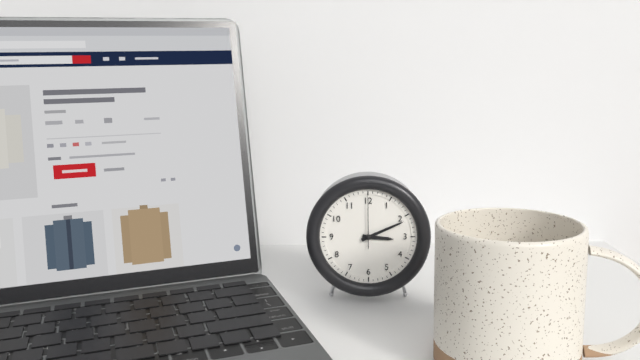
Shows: {"hour": 3, "minute": 11, "second": 0}
